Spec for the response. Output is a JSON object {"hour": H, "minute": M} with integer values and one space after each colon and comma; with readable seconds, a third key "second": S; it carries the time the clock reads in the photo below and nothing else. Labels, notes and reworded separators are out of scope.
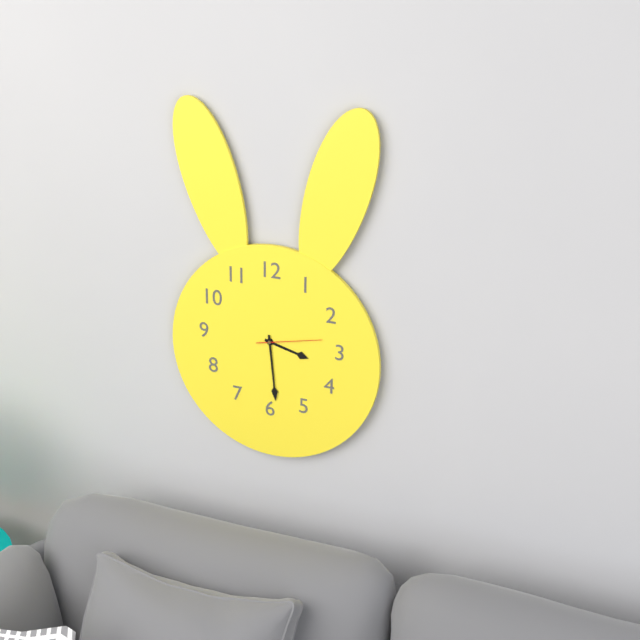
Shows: {"hour": 3, "minute": 29, "second": 13}
